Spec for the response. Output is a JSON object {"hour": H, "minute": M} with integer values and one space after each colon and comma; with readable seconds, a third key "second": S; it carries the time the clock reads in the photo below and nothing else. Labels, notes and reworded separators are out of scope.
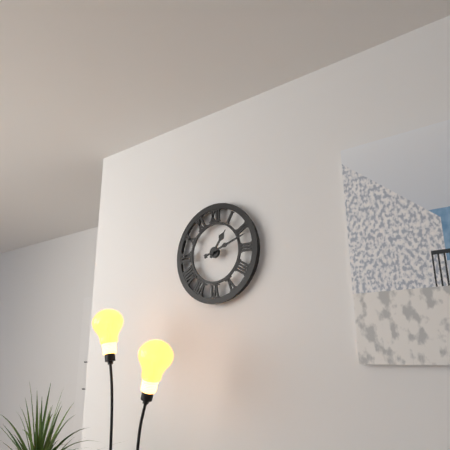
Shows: {"hour": 1, "minute": 12}
